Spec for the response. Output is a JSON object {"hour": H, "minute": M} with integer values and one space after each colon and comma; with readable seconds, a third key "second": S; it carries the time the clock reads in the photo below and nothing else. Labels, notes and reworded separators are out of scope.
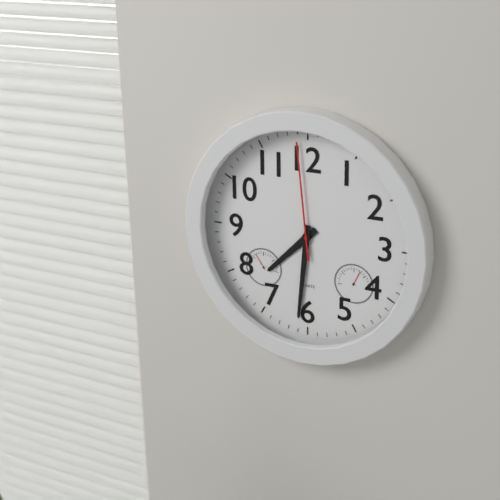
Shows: {"hour": 7, "minute": 31, "second": 59}
